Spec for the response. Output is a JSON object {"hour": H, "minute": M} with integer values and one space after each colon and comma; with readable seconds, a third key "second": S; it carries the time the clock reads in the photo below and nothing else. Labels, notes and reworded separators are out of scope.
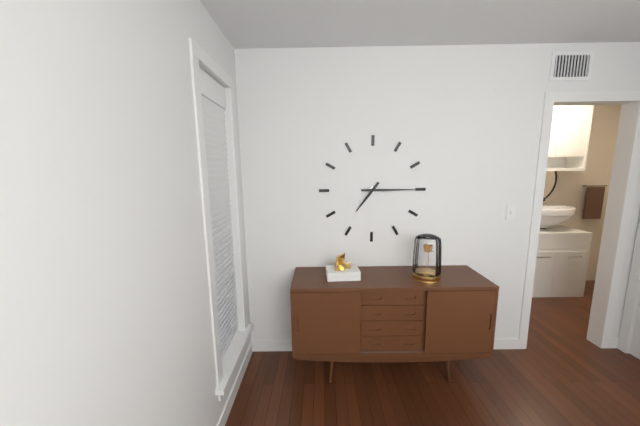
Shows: {"hour": 7, "minute": 15}
